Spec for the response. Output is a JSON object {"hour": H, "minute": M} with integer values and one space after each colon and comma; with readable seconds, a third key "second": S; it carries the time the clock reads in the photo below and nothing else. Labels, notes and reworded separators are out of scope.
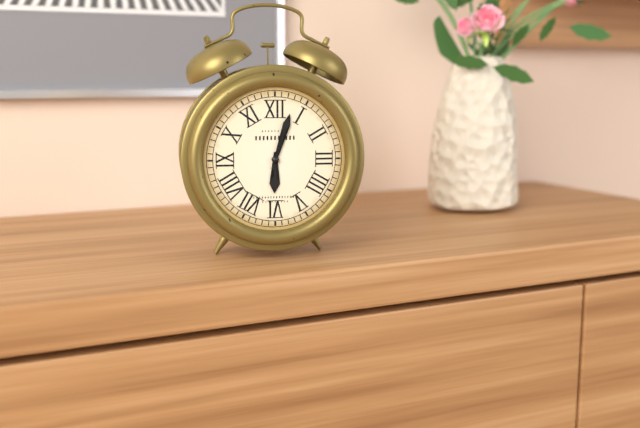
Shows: {"hour": 6, "minute": 3}
